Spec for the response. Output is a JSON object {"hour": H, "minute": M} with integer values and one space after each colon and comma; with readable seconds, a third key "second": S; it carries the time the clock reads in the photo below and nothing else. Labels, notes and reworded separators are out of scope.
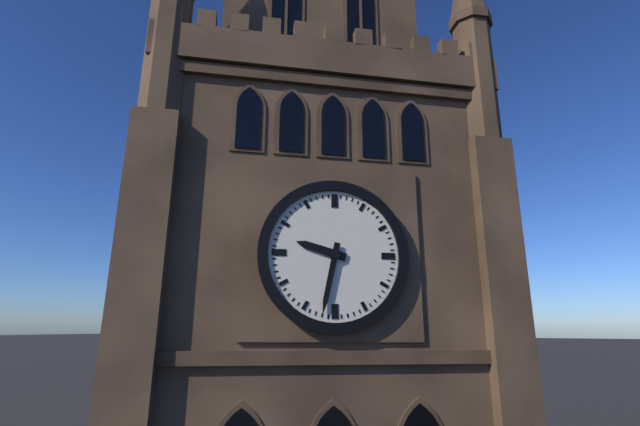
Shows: {"hour": 9, "minute": 32}
